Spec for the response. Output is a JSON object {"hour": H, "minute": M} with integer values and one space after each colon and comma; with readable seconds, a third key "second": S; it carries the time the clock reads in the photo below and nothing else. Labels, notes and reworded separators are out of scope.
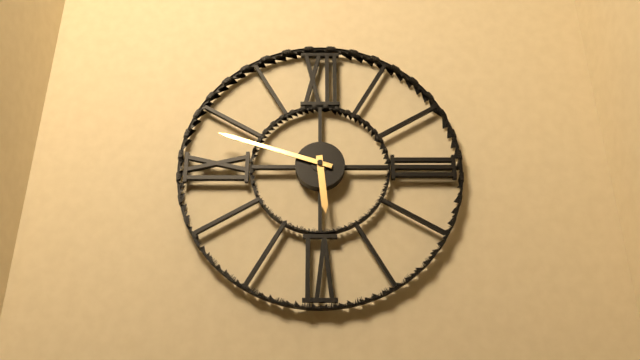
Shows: {"hour": 5, "minute": 48}
